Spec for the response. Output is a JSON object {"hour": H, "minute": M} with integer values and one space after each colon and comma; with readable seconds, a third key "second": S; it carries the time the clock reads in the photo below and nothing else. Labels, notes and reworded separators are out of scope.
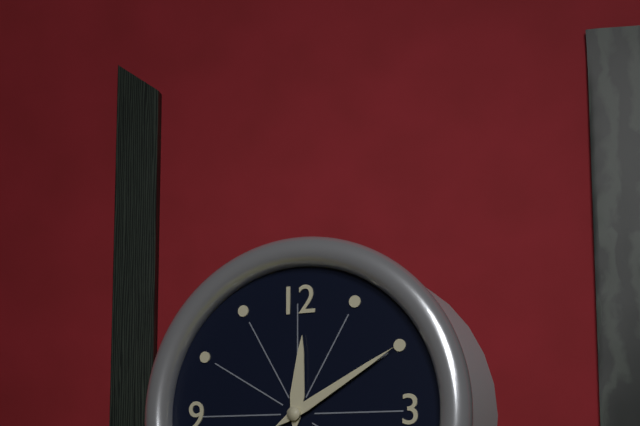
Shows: {"hour": 12, "minute": 10}
